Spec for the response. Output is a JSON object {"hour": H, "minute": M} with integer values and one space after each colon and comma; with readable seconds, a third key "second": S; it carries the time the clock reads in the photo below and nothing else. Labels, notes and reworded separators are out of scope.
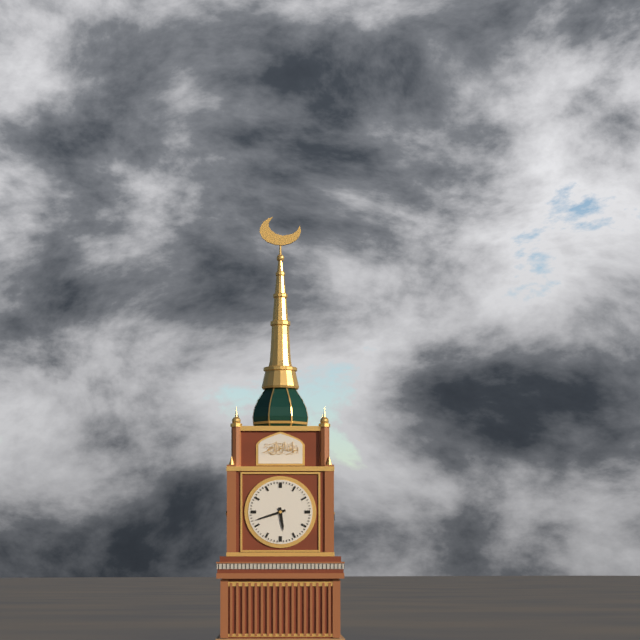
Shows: {"hour": 5, "minute": 42}
